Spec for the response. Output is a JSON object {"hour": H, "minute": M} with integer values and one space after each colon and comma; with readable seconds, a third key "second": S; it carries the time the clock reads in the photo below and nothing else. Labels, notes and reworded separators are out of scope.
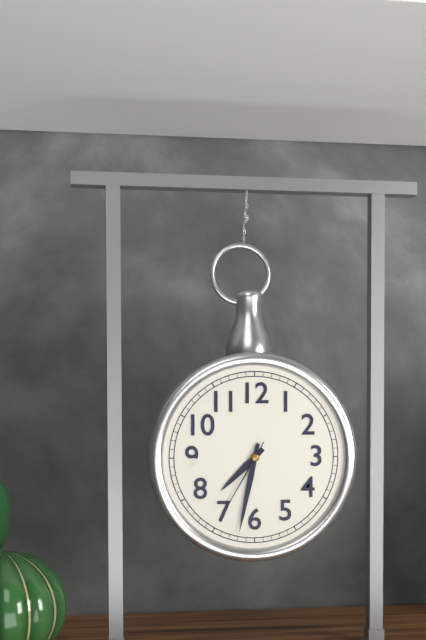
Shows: {"hour": 7, "minute": 32, "second": 35}
